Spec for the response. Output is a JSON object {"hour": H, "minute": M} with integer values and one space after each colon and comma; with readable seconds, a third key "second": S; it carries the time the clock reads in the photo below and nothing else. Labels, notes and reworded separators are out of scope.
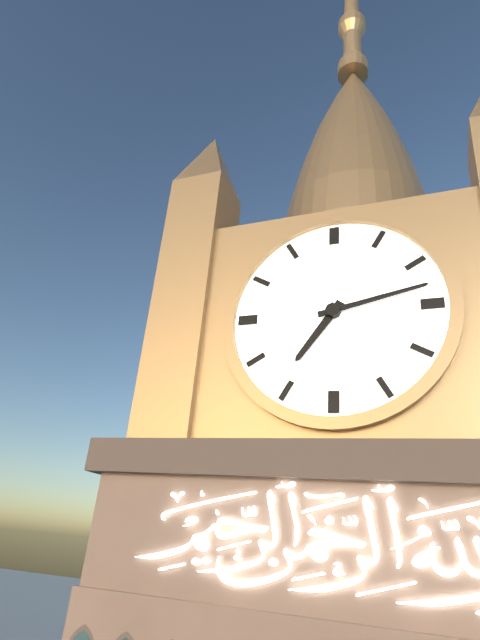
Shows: {"hour": 7, "minute": 13}
